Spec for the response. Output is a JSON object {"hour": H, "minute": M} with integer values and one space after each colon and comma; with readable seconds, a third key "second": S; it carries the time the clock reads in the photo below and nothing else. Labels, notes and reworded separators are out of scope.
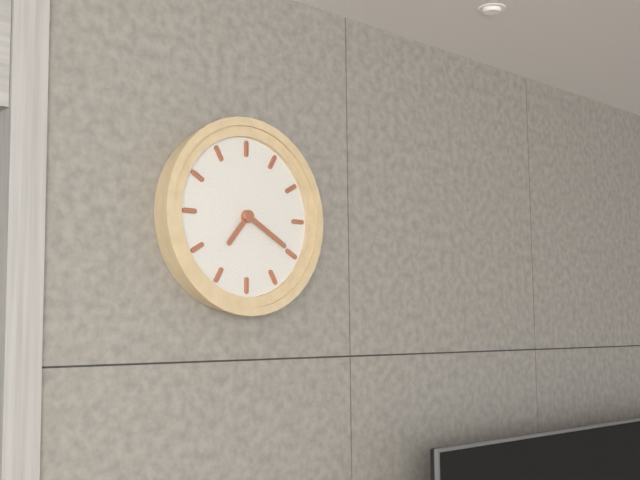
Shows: {"hour": 7, "minute": 20}
